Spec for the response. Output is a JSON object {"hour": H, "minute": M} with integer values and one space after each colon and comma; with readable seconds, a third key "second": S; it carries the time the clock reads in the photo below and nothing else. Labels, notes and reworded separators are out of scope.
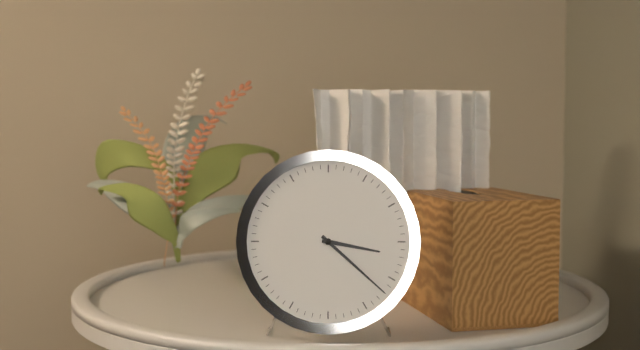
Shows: {"hour": 3, "minute": 22}
